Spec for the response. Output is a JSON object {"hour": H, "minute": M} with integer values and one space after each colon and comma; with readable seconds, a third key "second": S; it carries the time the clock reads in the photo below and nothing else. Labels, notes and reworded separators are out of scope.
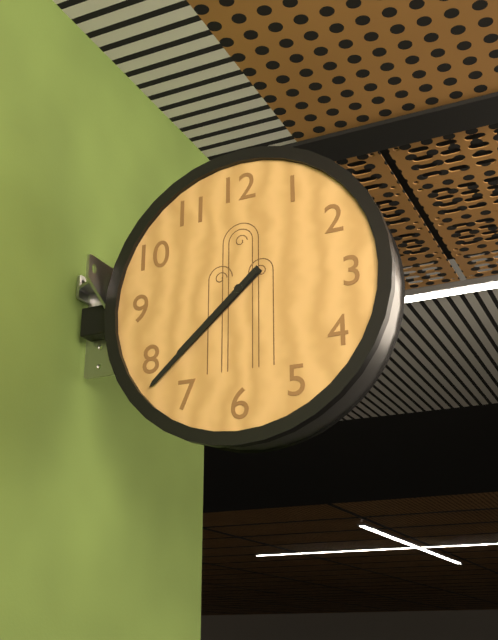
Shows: {"hour": 7, "minute": 38}
